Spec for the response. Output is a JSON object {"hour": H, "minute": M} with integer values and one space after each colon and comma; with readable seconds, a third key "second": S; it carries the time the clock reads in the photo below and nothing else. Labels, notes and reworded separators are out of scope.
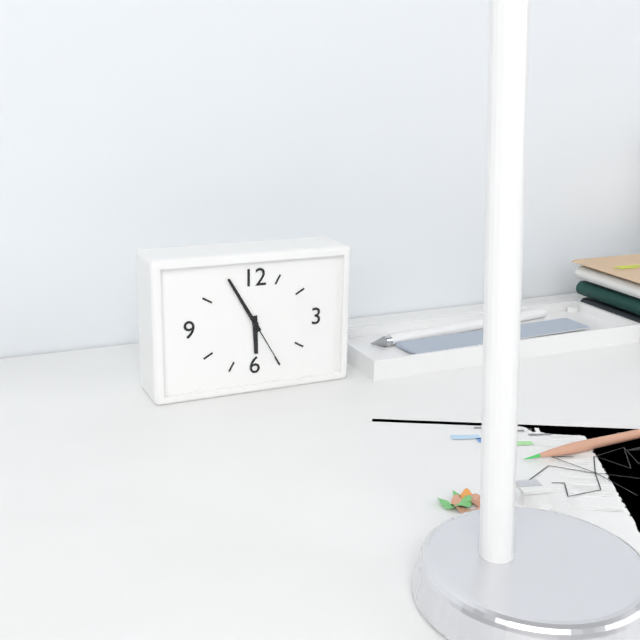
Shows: {"hour": 5, "minute": 55, "second": 25}
